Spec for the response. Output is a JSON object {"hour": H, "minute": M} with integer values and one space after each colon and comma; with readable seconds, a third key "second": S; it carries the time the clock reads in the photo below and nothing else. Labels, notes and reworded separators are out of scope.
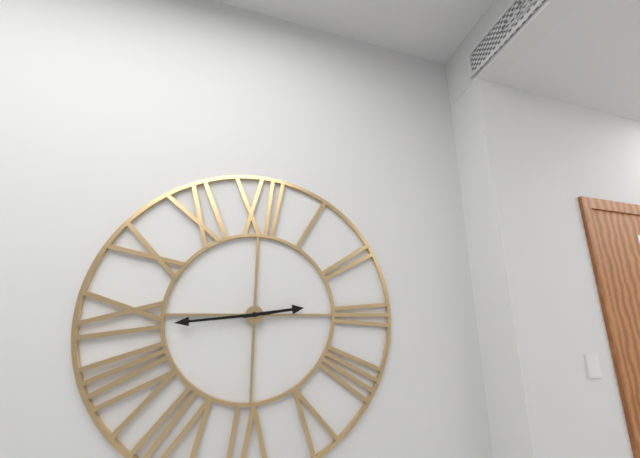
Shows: {"hour": 2, "minute": 44}
